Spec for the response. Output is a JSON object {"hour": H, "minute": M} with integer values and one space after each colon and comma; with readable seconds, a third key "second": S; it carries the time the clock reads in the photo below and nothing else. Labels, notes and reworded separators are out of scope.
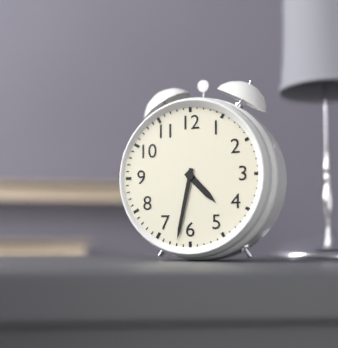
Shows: {"hour": 4, "minute": 32}
